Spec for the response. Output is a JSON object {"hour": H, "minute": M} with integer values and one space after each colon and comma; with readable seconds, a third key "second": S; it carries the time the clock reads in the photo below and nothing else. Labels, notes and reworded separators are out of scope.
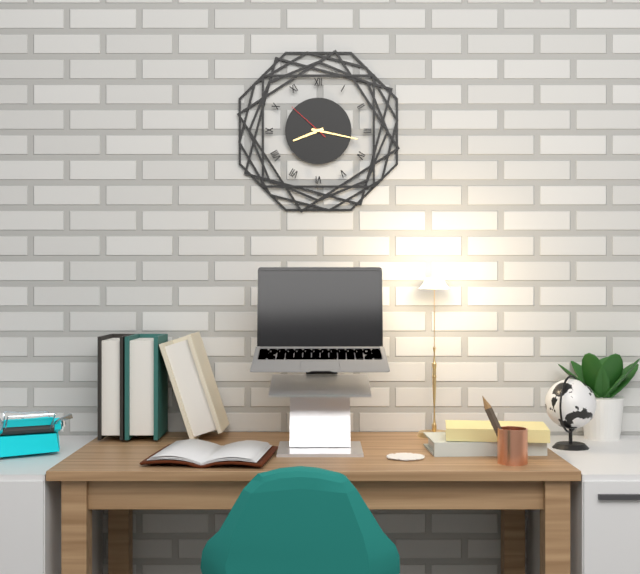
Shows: {"hour": 8, "minute": 17}
